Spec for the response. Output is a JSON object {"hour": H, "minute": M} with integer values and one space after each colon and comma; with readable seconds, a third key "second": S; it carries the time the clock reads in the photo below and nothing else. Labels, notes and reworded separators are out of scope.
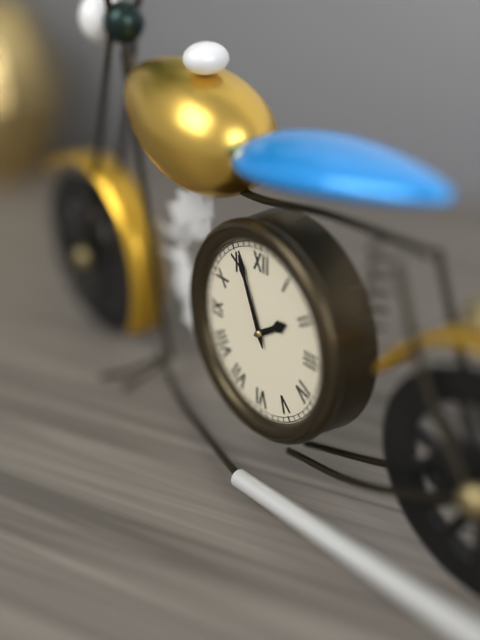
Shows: {"hour": 1, "minute": 56}
